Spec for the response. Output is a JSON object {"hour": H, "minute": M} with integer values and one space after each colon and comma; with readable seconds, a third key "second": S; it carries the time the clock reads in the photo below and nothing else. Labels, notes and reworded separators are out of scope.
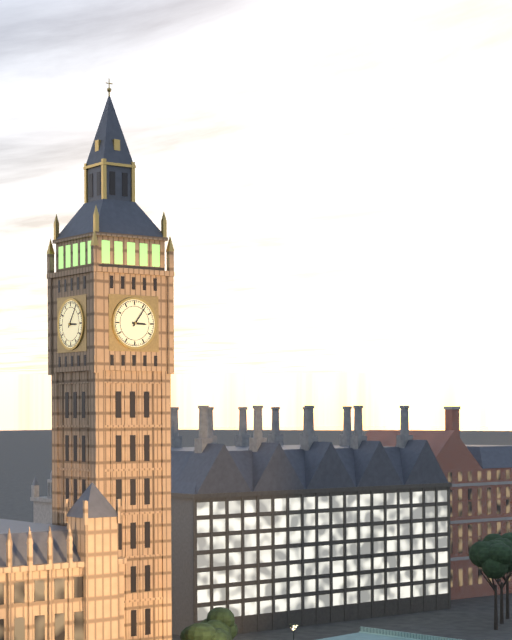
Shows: {"hour": 3, "minute": 6}
